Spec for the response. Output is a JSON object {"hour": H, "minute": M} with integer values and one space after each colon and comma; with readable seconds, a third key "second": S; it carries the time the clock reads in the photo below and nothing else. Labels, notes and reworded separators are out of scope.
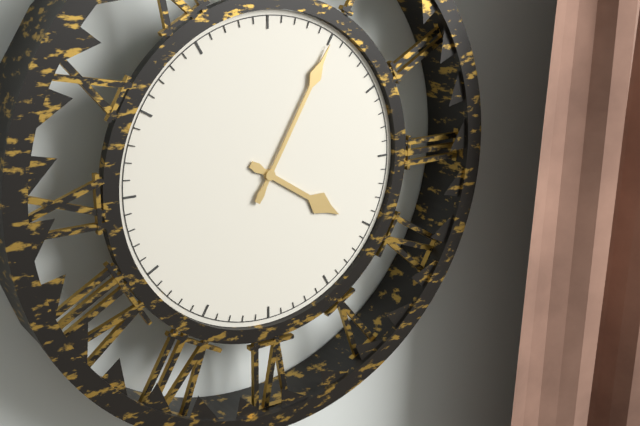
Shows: {"hour": 4, "minute": 5}
